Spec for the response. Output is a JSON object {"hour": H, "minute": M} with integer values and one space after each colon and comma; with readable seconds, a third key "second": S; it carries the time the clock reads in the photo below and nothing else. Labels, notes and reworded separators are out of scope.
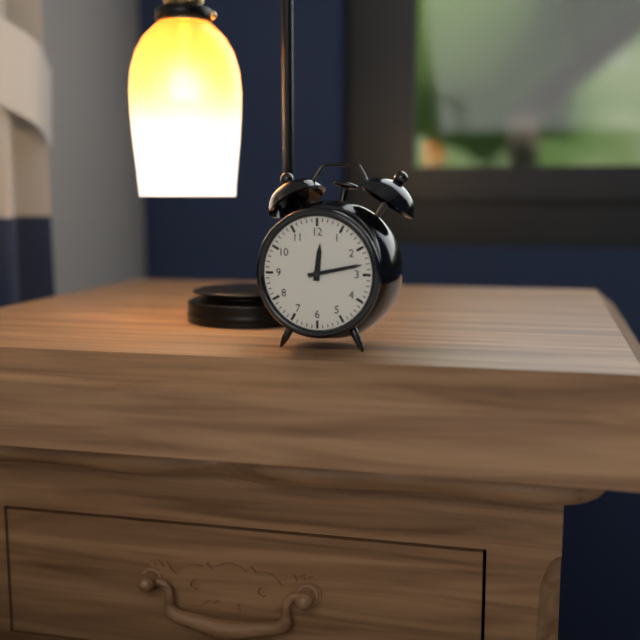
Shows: {"hour": 12, "minute": 13}
